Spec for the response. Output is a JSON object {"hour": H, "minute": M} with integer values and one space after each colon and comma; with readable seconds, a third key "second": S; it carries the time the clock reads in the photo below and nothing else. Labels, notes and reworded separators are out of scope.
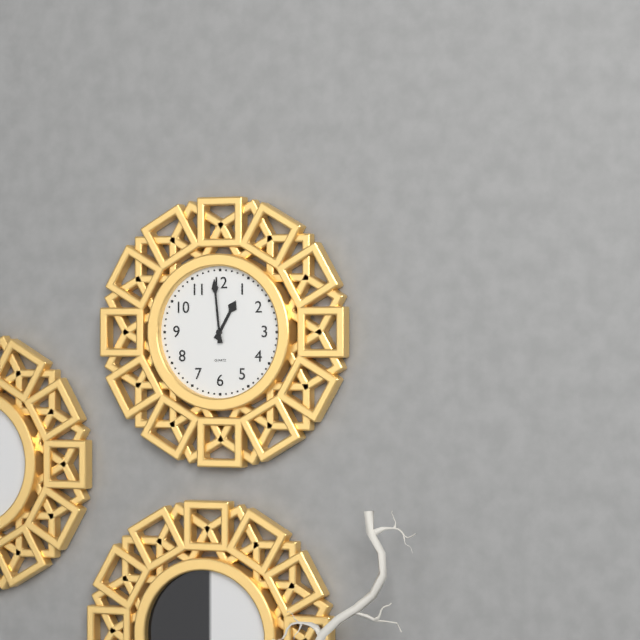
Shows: {"hour": 12, "minute": 59}
